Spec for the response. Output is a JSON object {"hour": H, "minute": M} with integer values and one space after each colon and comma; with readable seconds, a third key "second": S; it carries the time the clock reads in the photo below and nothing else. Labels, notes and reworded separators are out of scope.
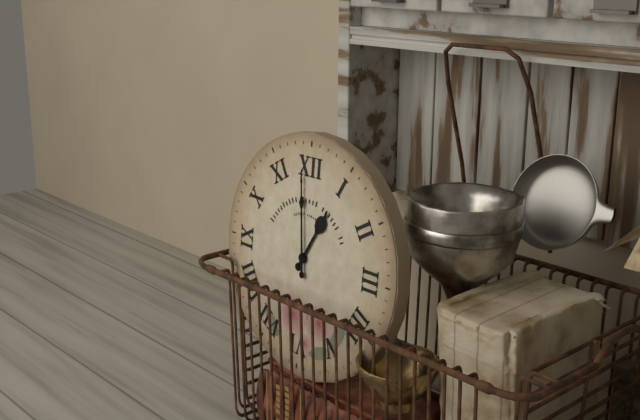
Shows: {"hour": 12, "minute": 59}
